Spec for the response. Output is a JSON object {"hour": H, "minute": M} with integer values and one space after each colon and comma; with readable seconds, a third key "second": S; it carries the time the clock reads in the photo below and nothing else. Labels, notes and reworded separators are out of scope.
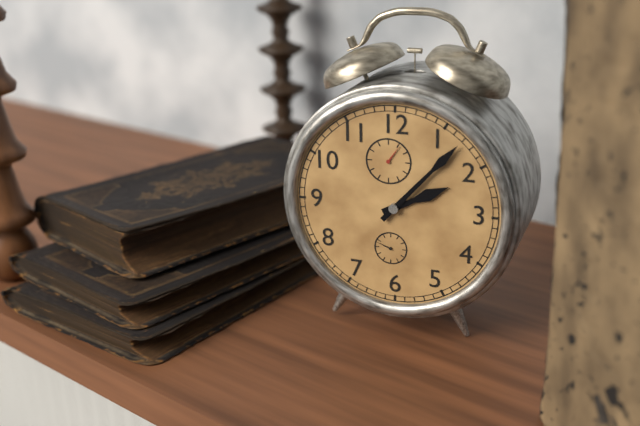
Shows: {"hour": 2, "minute": 7}
